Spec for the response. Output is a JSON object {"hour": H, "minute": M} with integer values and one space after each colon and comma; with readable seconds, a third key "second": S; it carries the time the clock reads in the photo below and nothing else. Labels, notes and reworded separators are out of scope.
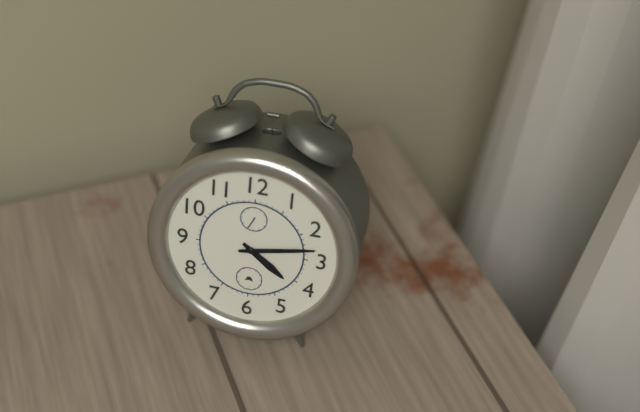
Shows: {"hour": 4, "minute": 13}
